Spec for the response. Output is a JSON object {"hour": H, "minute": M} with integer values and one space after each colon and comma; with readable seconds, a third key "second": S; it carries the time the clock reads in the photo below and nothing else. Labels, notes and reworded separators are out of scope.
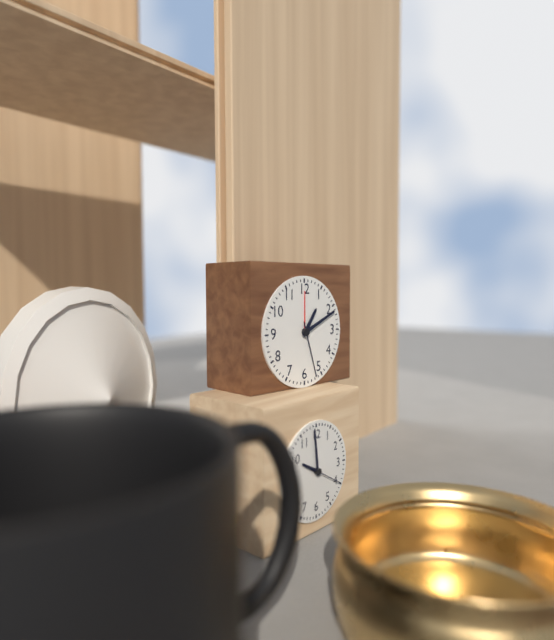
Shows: {"hour": 1, "minute": 11, "second": 27}
